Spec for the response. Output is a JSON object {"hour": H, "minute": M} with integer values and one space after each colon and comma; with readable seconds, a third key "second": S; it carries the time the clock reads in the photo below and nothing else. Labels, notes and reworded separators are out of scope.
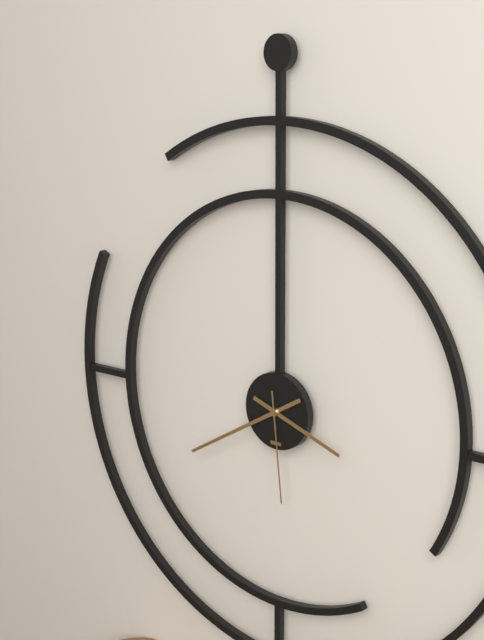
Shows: {"hour": 3, "minute": 40, "second": 29}
